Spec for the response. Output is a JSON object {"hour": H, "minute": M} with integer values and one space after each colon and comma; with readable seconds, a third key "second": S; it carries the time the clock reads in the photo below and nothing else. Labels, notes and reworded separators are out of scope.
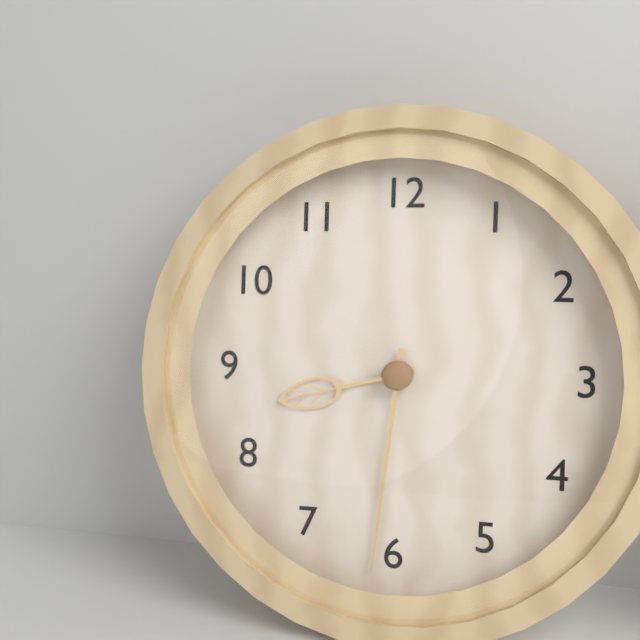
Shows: {"hour": 8, "minute": 31}
